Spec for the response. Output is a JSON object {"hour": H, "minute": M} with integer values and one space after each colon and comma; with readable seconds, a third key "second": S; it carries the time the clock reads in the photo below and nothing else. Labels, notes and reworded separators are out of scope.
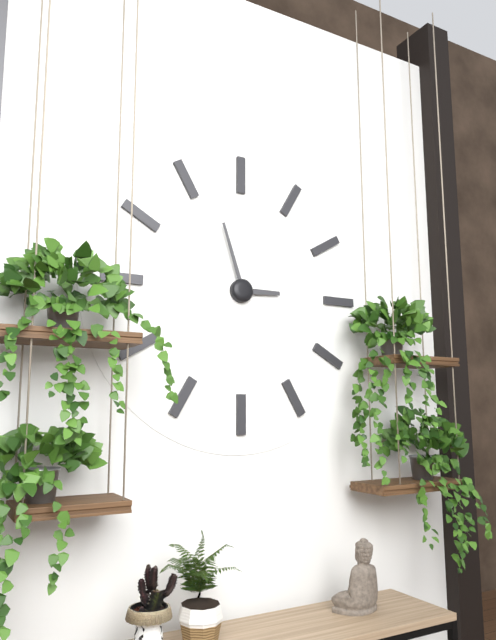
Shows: {"hour": 2, "minute": 57}
